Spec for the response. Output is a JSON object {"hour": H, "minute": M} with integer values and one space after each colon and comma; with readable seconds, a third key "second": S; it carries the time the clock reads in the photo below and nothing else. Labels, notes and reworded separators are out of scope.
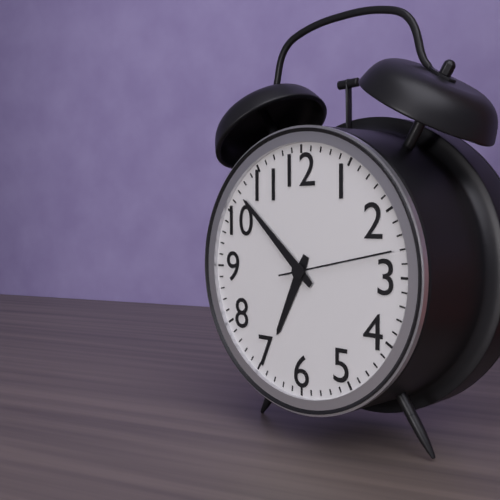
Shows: {"hour": 6, "minute": 52, "second": 13}
